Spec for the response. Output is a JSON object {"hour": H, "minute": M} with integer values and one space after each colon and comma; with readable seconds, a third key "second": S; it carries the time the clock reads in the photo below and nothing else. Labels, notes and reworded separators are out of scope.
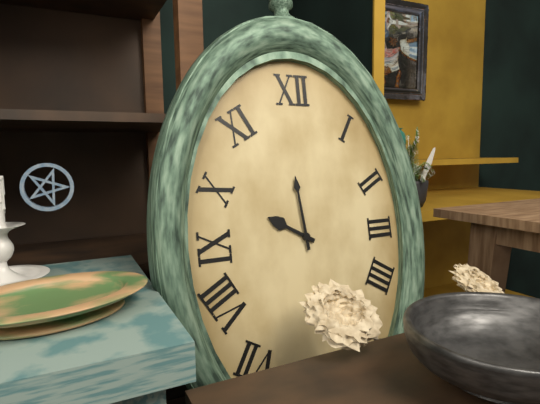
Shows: {"hour": 9, "minute": 59}
